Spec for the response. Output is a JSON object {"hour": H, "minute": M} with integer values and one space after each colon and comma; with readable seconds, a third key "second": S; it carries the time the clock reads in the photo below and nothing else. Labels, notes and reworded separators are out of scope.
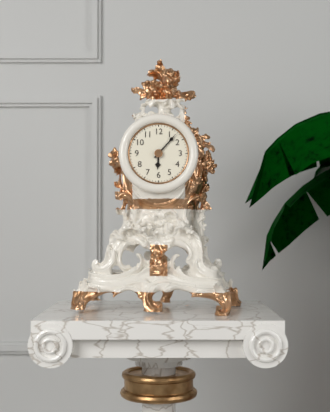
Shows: {"hour": 6, "minute": 7}
